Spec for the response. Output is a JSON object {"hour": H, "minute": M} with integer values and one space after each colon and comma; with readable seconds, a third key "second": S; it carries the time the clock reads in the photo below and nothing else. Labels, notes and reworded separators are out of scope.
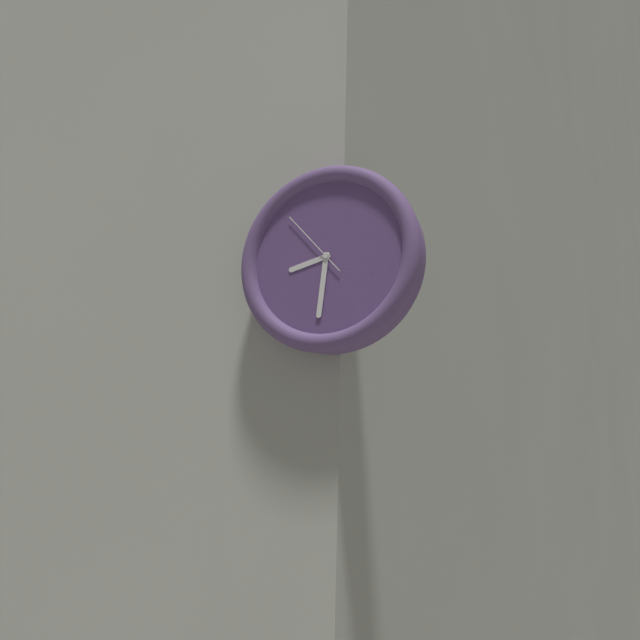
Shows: {"hour": 8, "minute": 31, "second": 53}
